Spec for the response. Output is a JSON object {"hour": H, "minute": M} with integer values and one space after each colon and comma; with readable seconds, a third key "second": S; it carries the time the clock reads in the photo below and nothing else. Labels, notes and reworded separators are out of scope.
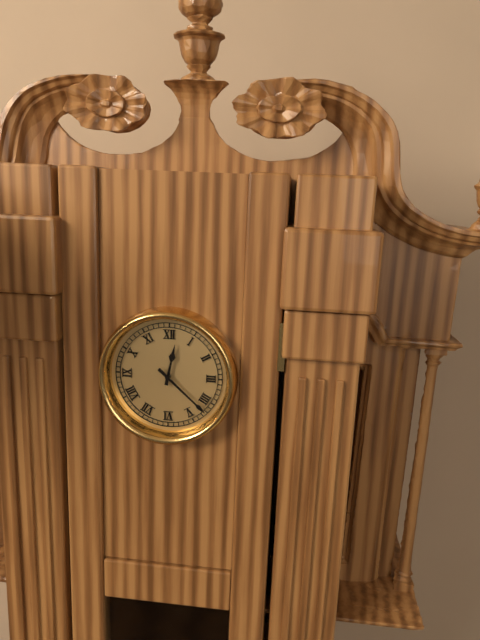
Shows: {"hour": 12, "minute": 22}
